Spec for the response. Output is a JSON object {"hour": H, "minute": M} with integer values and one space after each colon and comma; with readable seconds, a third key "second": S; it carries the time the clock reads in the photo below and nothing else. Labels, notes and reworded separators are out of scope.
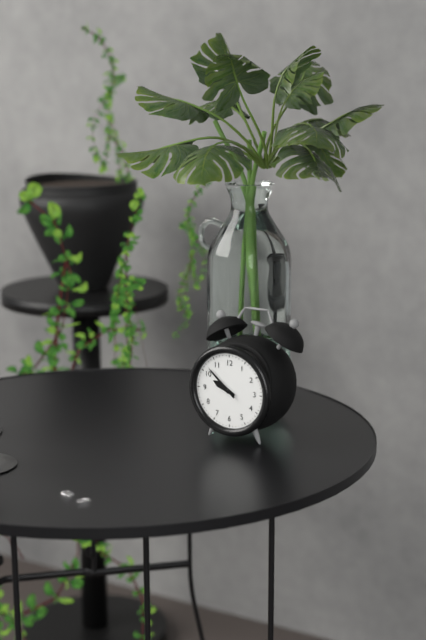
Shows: {"hour": 9, "minute": 52}
